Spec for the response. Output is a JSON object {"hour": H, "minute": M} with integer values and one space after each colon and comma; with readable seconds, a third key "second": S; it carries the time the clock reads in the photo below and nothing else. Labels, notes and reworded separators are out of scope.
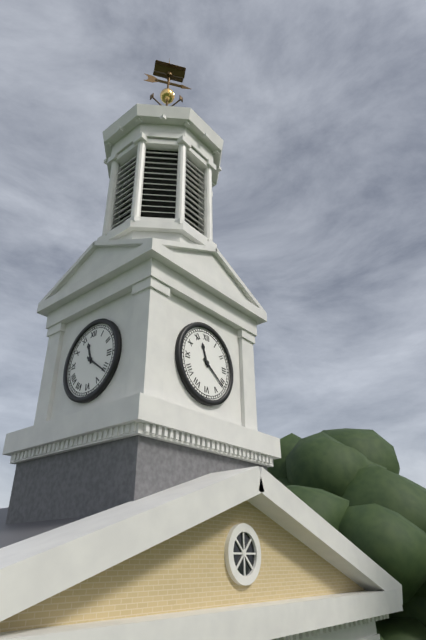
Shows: {"hour": 11, "minute": 21}
